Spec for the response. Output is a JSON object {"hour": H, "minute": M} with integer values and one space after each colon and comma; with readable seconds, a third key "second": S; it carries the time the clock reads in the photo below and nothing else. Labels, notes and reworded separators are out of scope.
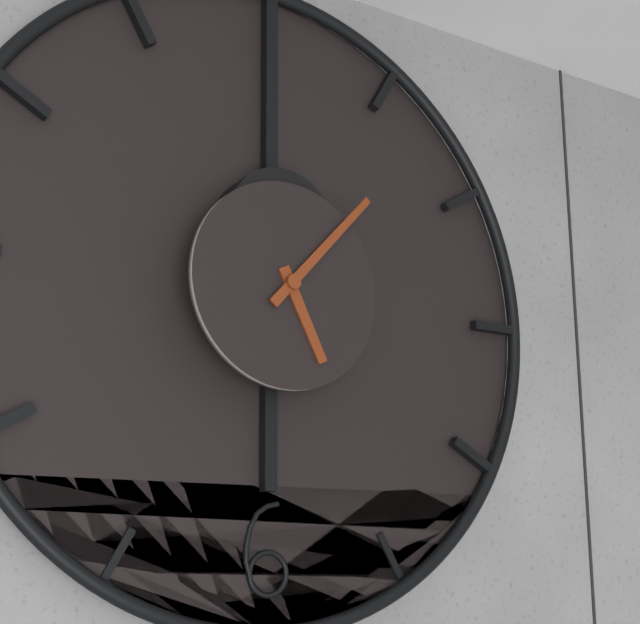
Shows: {"hour": 5, "minute": 7}
